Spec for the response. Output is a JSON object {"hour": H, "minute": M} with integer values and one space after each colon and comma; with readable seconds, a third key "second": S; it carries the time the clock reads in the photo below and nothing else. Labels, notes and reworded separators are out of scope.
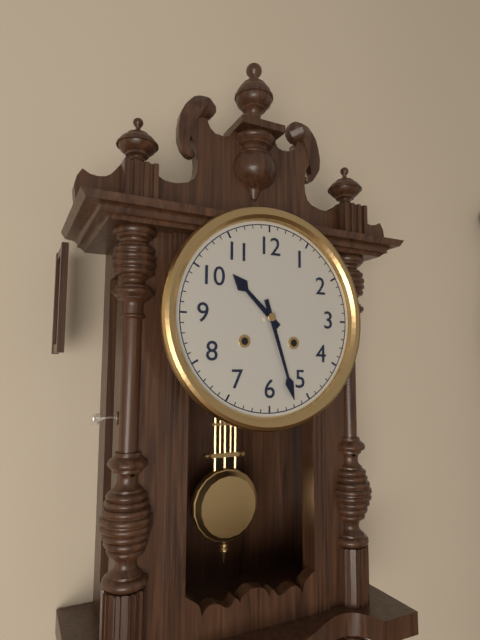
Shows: {"hour": 10, "minute": 27}
